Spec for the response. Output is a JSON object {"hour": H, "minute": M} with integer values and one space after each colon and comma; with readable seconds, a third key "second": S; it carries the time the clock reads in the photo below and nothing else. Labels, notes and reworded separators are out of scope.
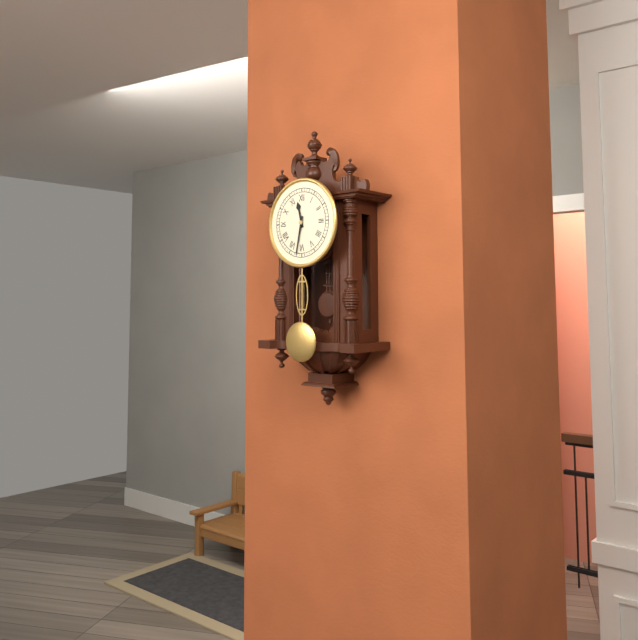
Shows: {"hour": 11, "minute": 32}
